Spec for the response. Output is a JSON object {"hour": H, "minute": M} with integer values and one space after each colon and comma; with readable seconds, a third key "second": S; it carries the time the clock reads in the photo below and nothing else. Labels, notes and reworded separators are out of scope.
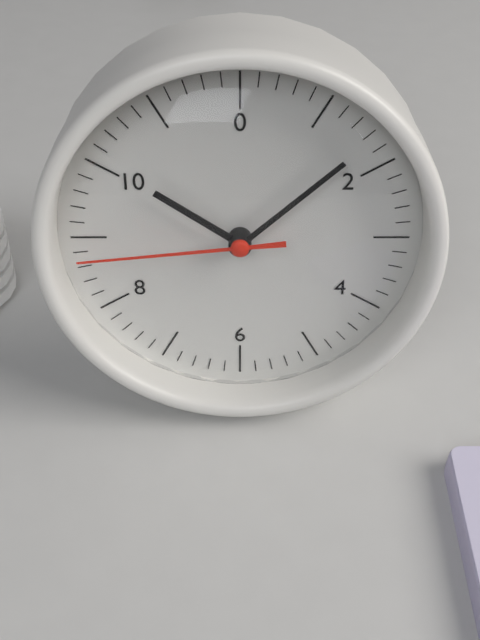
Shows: {"hour": 10, "minute": 8, "second": 44}
